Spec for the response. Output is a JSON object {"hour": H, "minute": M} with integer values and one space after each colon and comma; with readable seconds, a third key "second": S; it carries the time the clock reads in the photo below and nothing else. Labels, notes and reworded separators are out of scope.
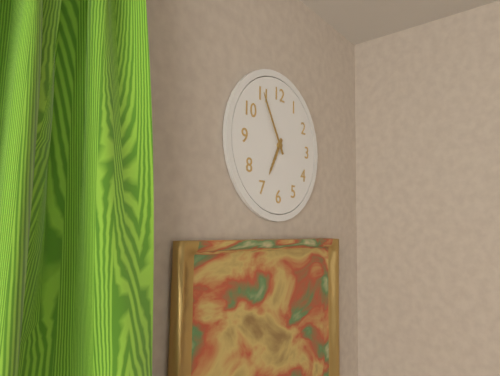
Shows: {"hour": 6, "minute": 55}
